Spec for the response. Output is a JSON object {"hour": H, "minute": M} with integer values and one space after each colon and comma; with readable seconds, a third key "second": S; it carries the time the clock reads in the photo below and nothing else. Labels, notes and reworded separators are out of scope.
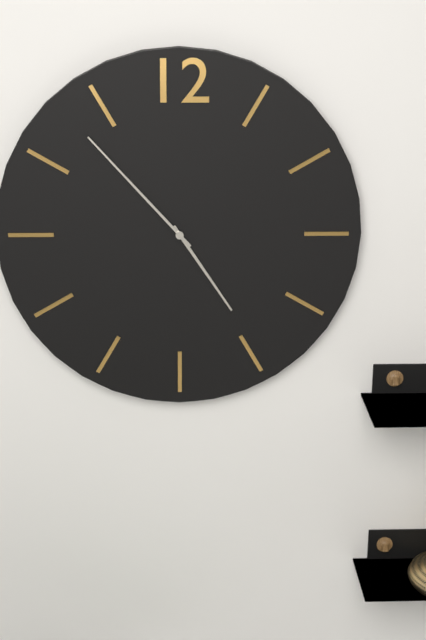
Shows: {"hour": 4, "minute": 53}
